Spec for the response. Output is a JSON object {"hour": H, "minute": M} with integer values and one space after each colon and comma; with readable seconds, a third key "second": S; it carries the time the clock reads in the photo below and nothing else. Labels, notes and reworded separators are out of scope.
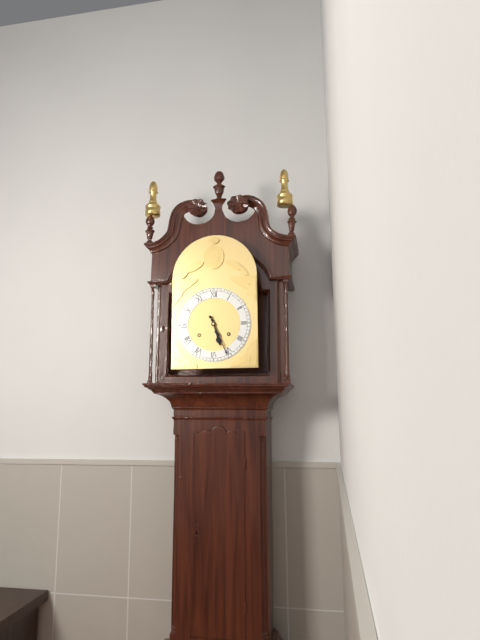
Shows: {"hour": 5, "minute": 26}
